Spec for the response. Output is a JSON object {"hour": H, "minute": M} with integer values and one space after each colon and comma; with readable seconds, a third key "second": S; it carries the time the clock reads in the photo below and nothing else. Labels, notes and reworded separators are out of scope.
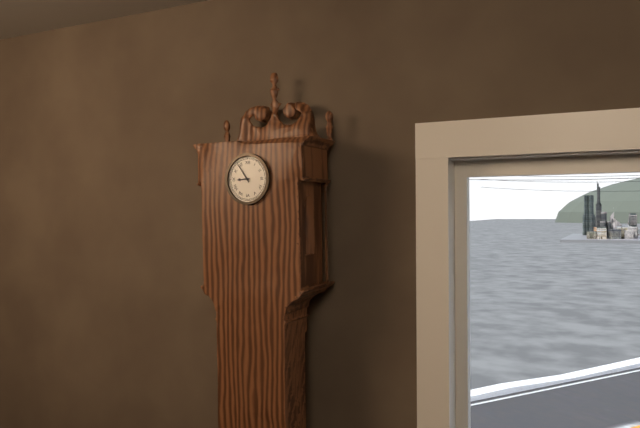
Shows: {"hour": 8, "minute": 54}
